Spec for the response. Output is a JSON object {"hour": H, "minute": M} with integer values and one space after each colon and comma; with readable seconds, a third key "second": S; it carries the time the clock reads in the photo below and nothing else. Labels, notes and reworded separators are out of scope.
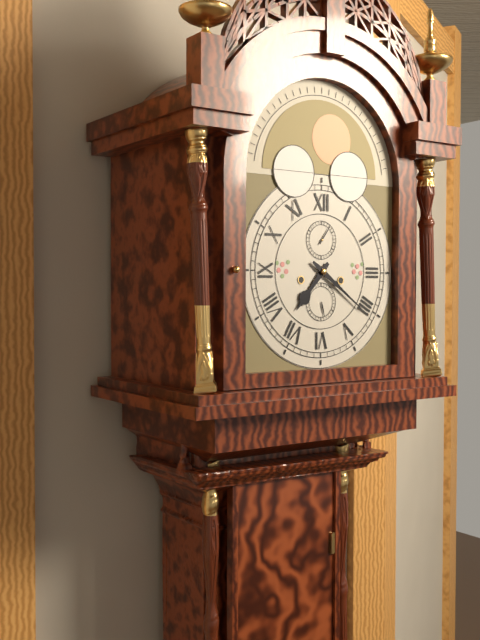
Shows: {"hour": 7, "minute": 21}
